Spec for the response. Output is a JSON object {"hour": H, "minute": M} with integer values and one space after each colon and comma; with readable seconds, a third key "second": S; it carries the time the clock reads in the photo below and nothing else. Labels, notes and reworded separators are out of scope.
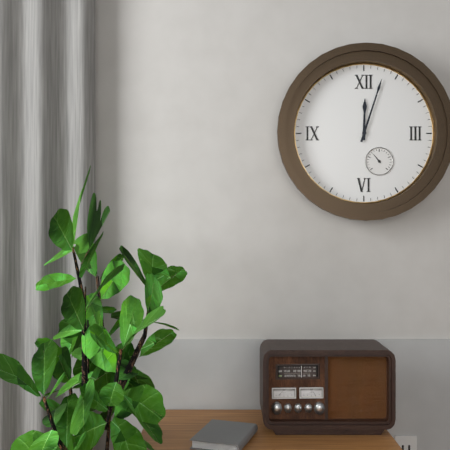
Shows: {"hour": 12, "minute": 3}
